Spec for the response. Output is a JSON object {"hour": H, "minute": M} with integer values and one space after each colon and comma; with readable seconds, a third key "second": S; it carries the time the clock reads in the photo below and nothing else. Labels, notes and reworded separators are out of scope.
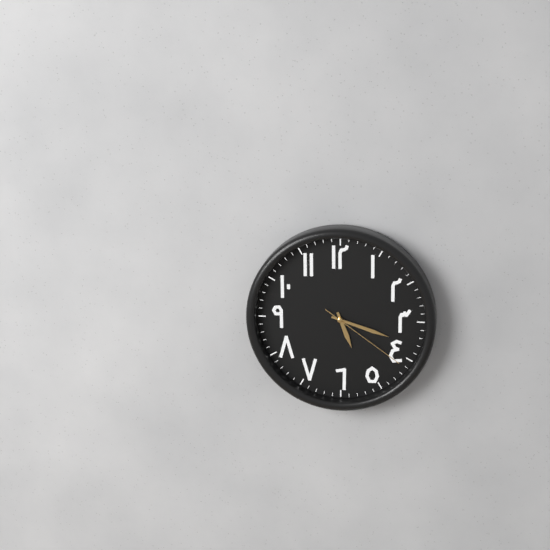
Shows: {"hour": 5, "minute": 18, "second": 21}
